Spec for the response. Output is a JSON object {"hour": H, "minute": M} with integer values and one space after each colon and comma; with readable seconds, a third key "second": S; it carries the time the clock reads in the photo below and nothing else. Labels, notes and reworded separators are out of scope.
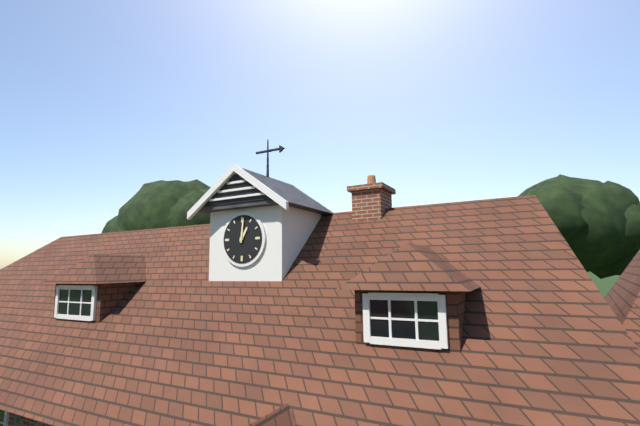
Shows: {"hour": 1, "minute": 1}
